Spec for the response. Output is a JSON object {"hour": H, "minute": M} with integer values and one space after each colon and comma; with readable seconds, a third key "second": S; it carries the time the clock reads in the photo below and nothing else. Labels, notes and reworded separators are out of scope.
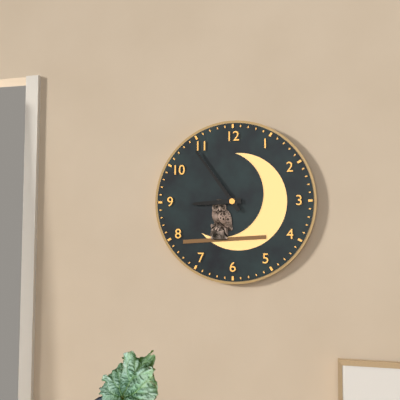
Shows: {"hour": 8, "minute": 54}
